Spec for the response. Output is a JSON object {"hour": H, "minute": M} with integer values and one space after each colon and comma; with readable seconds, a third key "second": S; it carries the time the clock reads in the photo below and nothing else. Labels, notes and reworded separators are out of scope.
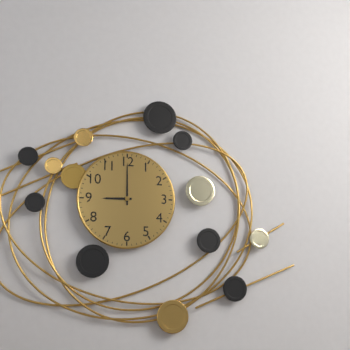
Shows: {"hour": 9, "minute": 0}
